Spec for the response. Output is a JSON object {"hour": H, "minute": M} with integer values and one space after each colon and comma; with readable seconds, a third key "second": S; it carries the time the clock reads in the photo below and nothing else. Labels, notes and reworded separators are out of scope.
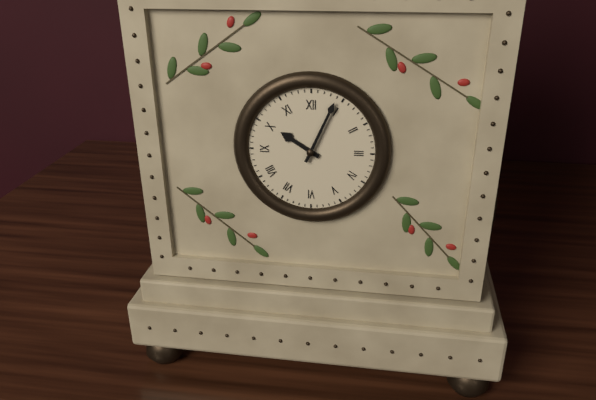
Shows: {"hour": 10, "minute": 4}
